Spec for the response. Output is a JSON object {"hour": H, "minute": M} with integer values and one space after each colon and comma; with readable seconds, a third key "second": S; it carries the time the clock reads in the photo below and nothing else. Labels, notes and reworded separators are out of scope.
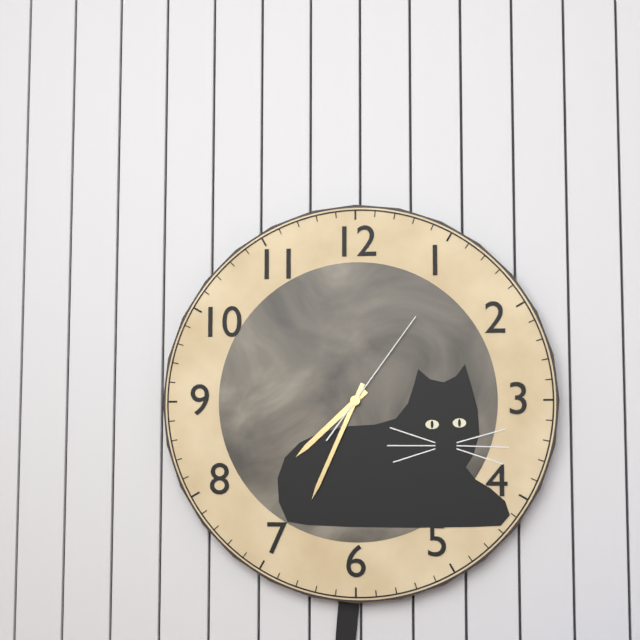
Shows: {"hour": 7, "minute": 34, "second": 6}
